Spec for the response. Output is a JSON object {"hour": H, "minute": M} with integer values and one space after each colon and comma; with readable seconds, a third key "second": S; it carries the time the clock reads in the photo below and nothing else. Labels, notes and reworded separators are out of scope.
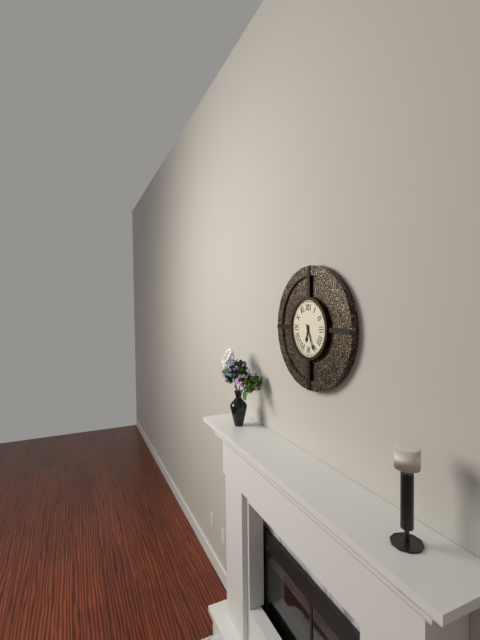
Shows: {"hour": 6, "minute": 26}
